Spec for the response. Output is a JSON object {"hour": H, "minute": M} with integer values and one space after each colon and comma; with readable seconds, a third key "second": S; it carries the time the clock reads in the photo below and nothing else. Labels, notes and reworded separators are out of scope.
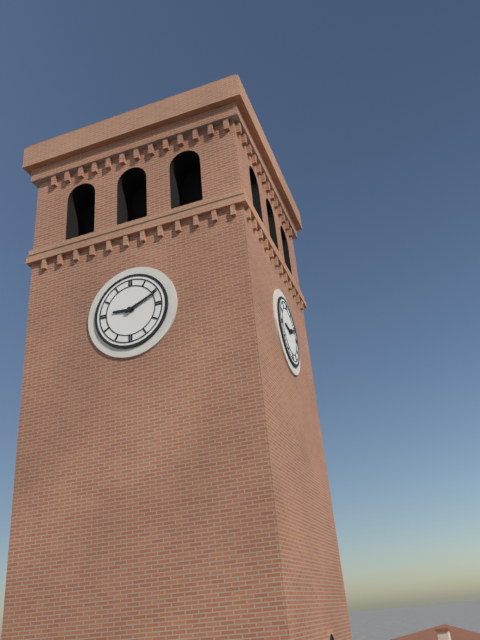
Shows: {"hour": 9, "minute": 11}
